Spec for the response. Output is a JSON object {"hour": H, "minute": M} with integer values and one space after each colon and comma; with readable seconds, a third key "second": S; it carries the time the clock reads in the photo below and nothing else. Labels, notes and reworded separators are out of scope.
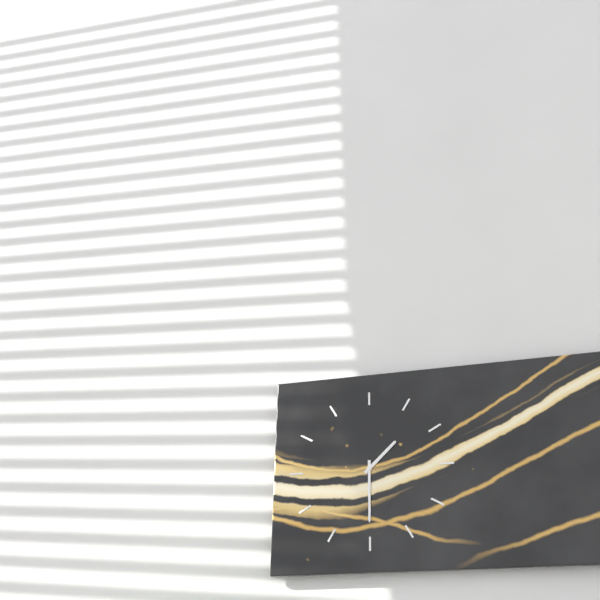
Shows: {"hour": 1, "minute": 30}
